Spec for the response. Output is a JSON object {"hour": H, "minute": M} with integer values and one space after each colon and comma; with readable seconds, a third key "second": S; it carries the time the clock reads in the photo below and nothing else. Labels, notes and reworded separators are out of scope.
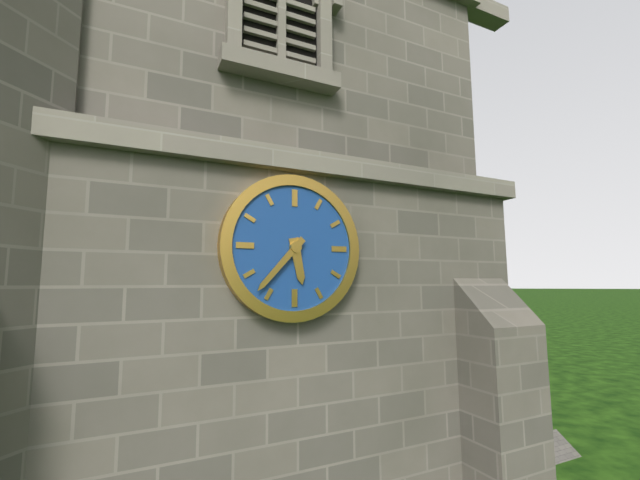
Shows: {"hour": 5, "minute": 37}
